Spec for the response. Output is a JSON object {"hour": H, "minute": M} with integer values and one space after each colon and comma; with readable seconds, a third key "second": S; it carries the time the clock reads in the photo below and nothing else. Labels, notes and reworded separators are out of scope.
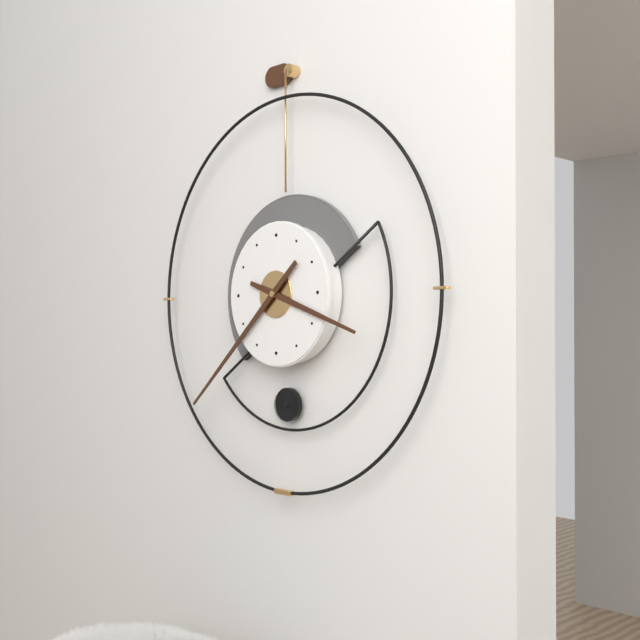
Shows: {"hour": 3, "minute": 38}
